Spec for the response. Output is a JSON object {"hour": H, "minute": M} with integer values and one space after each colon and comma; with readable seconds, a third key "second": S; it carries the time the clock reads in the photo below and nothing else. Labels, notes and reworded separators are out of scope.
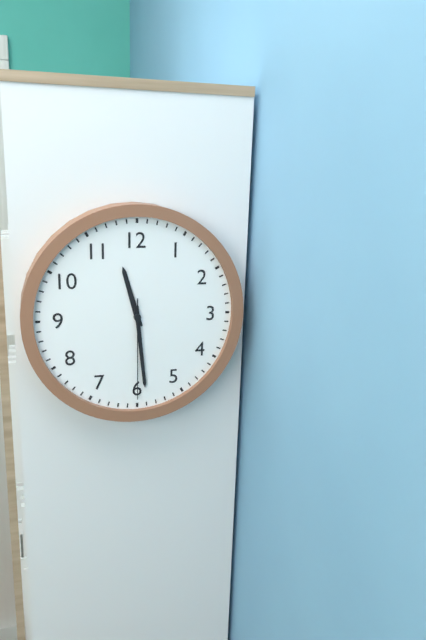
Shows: {"hour": 11, "minute": 29, "second": 30}
